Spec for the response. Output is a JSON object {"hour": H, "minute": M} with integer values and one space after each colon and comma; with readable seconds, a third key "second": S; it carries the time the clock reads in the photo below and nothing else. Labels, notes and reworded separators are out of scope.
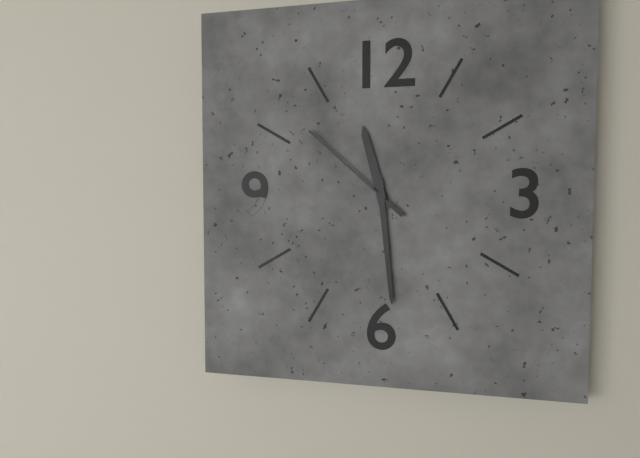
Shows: {"hour": 11, "minute": 29, "second": 52}
